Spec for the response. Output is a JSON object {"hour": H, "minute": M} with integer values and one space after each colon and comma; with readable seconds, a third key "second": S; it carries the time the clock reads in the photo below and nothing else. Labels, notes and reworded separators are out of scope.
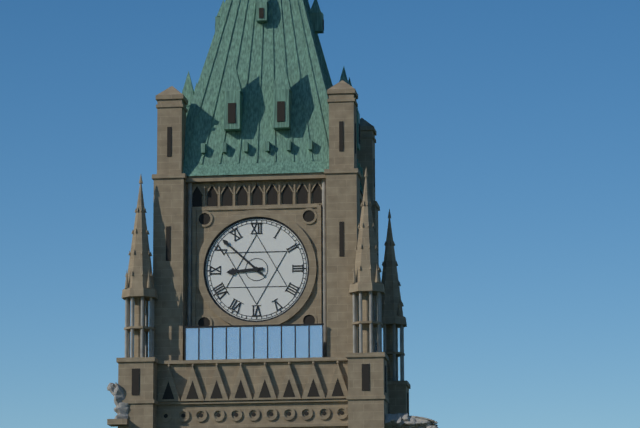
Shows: {"hour": 8, "minute": 52}
